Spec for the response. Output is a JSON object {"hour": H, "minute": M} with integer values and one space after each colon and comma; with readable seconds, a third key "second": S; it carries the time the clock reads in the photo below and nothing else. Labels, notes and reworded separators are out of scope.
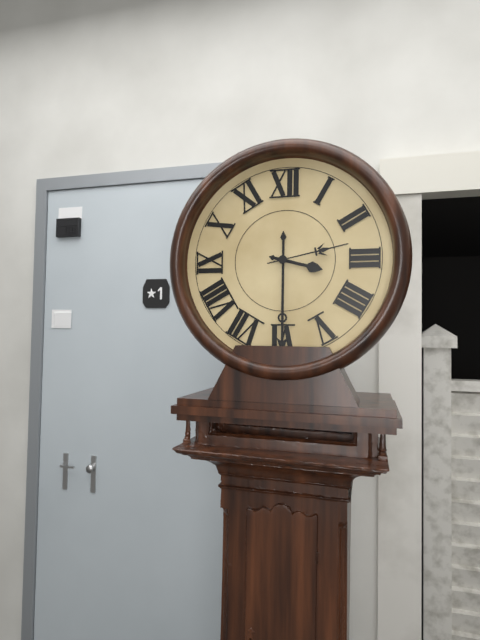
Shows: {"hour": 3, "minute": 30, "second": 13}
